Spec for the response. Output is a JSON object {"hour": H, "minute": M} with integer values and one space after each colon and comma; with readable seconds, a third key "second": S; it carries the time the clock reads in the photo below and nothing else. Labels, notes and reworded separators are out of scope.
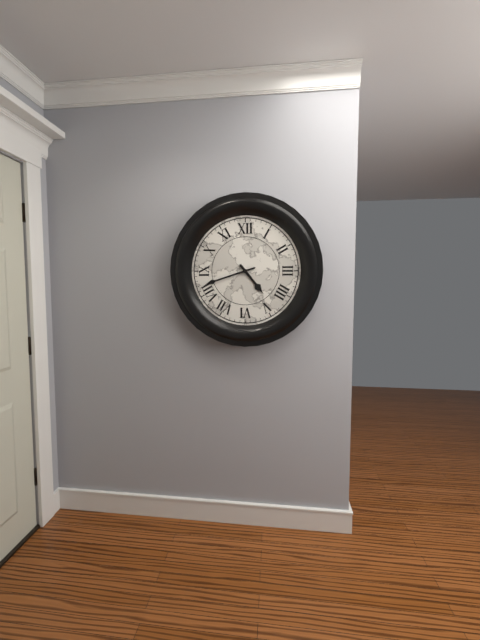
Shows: {"hour": 4, "minute": 42}
